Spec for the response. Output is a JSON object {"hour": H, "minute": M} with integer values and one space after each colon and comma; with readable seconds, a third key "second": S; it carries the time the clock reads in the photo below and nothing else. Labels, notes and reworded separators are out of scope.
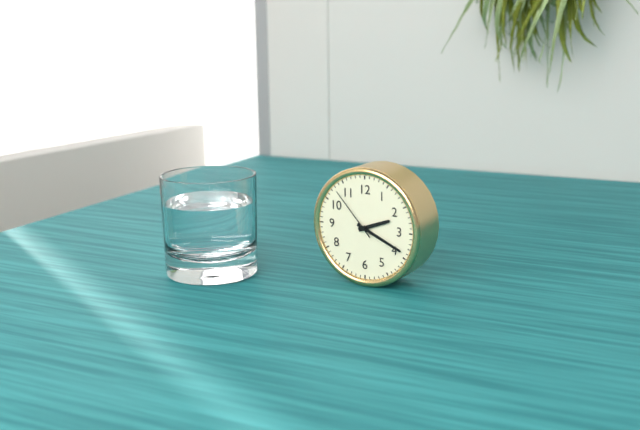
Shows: {"hour": 2, "minute": 19, "second": 53}
